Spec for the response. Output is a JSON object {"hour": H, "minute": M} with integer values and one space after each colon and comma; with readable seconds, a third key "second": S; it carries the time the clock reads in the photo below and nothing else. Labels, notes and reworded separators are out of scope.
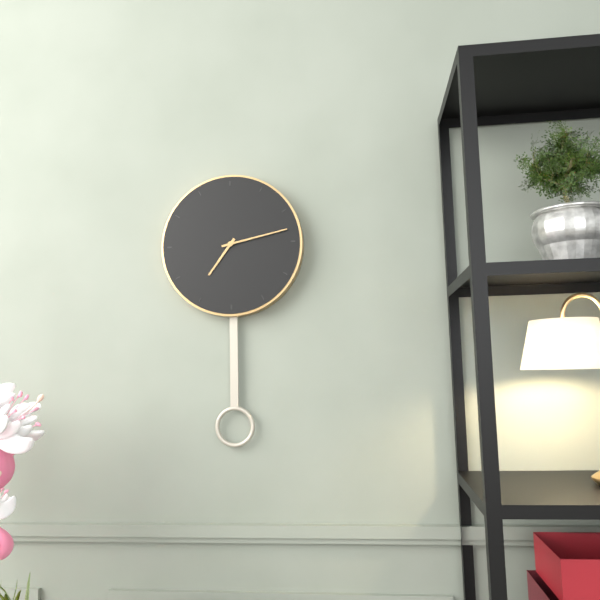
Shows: {"hour": 7, "minute": 13}
